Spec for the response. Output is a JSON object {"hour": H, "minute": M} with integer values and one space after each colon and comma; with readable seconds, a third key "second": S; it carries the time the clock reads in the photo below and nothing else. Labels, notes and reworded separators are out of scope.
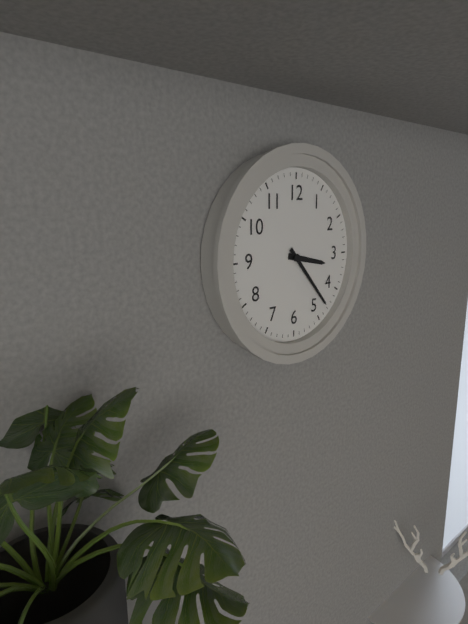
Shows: {"hour": 3, "minute": 23}
